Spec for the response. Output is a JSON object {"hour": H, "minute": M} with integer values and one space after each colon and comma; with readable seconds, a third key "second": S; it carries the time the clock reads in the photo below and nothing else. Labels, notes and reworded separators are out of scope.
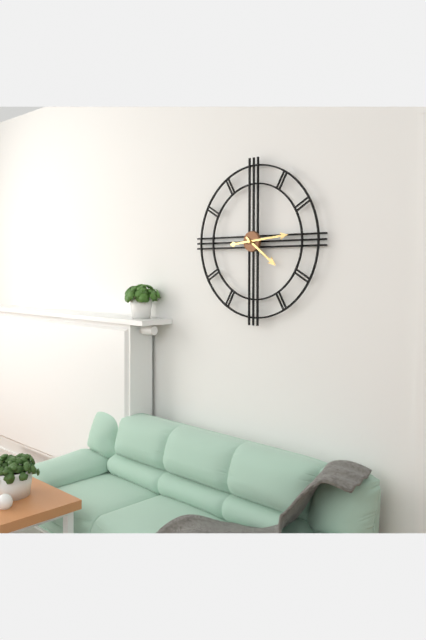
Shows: {"hour": 4, "minute": 14}
